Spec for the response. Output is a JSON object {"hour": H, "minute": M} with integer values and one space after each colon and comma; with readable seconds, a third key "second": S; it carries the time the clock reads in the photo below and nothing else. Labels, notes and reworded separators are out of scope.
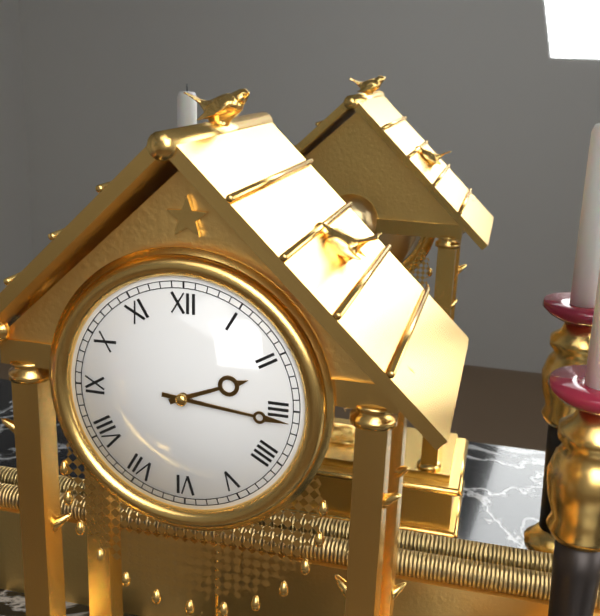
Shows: {"hour": 2, "minute": 16}
